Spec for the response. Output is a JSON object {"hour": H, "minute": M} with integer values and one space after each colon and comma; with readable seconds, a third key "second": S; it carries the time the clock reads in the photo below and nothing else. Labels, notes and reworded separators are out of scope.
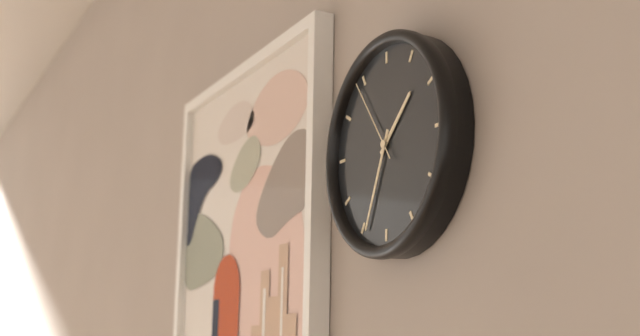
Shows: {"hour": 1, "minute": 34, "second": 54}
